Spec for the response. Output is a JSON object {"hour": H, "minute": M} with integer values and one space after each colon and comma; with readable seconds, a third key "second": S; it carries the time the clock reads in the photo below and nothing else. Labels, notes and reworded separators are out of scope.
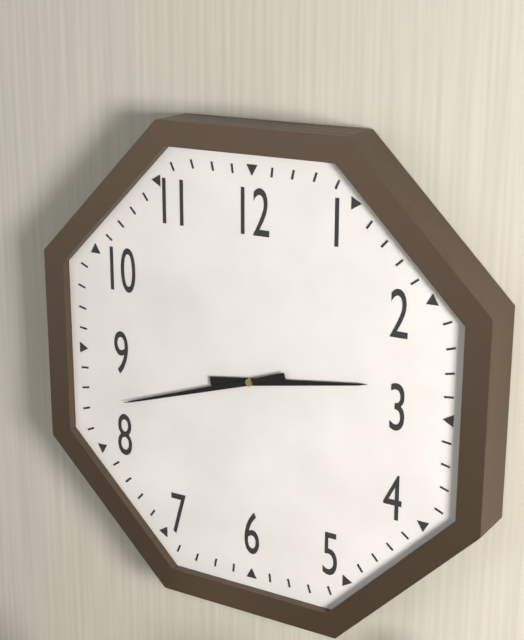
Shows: {"hour": 2, "minute": 42}
